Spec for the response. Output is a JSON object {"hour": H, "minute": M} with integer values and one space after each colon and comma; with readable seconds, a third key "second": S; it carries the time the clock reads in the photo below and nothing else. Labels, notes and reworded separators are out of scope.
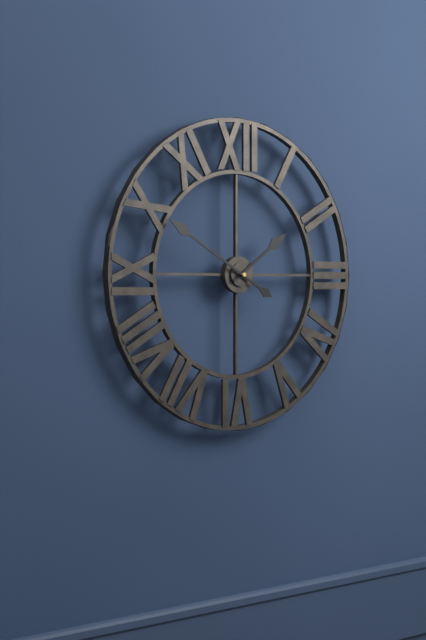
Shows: {"hour": 1, "minute": 50}
